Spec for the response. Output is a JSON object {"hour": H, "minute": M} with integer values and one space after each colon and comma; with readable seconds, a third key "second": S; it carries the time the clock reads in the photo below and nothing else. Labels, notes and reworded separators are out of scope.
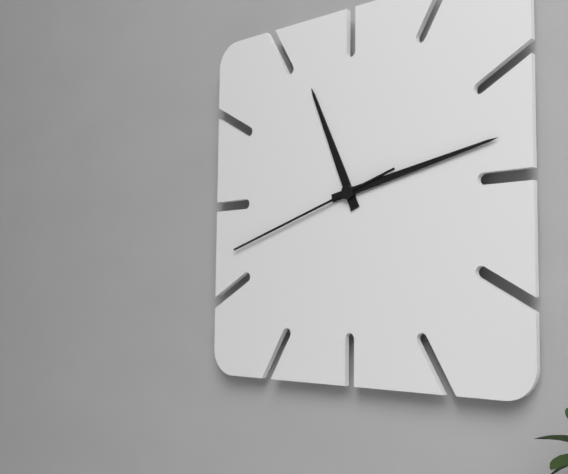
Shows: {"hour": 11, "minute": 13, "second": 42}
